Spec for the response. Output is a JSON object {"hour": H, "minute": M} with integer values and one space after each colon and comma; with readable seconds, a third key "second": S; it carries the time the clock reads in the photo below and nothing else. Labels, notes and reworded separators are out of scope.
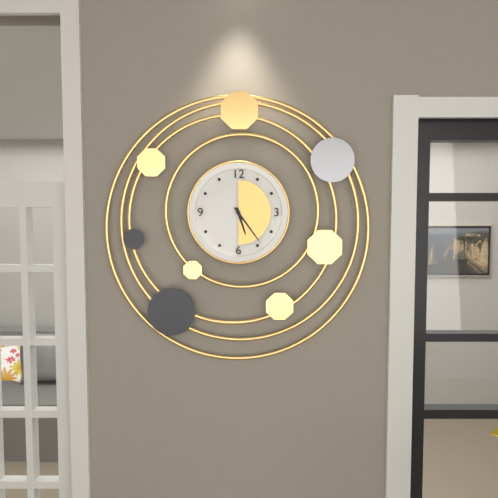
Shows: {"hour": 5, "minute": 24}
